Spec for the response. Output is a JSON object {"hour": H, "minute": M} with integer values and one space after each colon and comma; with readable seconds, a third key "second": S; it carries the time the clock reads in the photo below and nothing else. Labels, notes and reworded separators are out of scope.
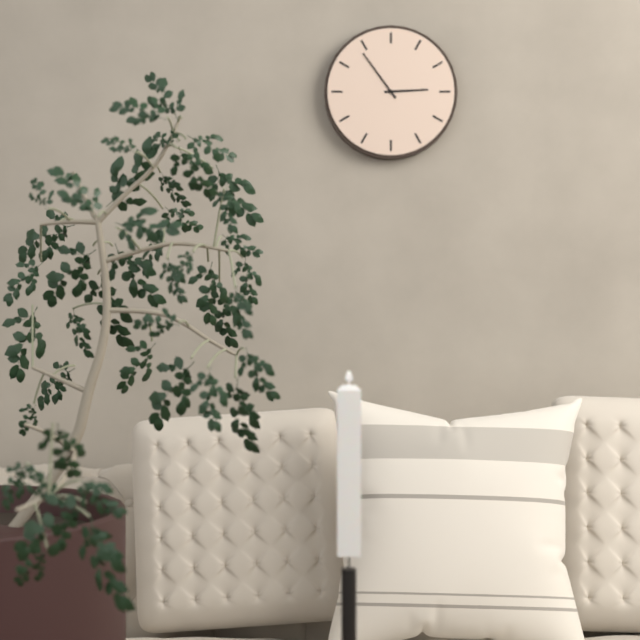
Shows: {"hour": 2, "minute": 54}
